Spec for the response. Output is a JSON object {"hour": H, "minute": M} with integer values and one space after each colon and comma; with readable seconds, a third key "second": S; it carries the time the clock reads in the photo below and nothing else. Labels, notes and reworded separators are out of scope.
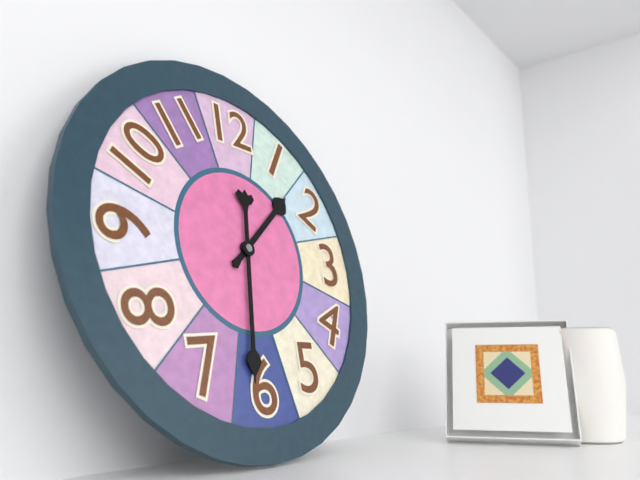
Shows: {"hour": 1, "minute": 31}
